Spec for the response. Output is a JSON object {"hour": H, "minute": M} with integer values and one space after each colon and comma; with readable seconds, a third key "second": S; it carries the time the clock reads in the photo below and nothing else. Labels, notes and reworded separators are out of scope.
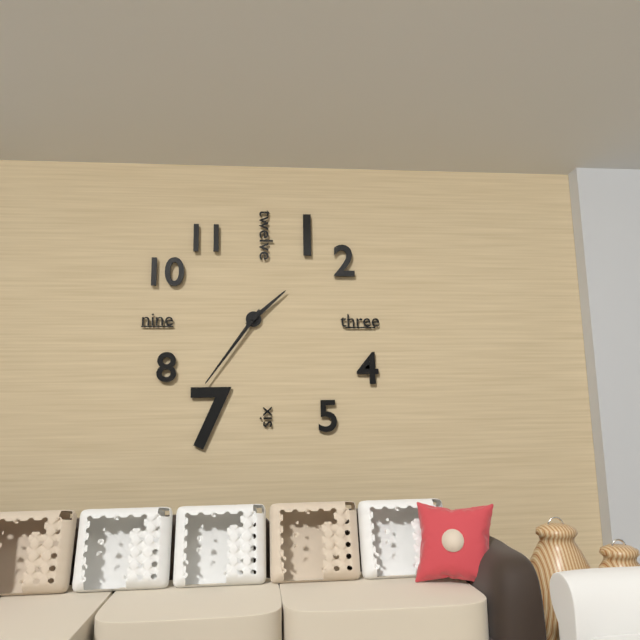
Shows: {"hour": 1, "minute": 36}
